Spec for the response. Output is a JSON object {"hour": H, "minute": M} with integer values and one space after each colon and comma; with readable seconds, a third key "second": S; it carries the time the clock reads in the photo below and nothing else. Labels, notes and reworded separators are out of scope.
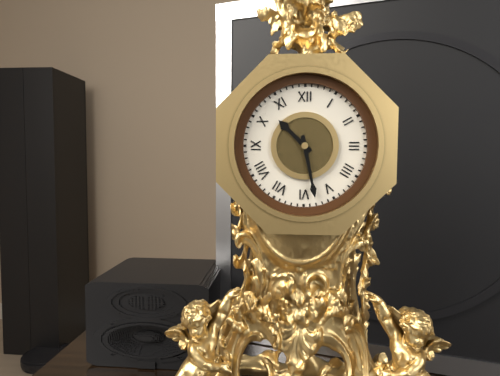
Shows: {"hour": 10, "minute": 28}
